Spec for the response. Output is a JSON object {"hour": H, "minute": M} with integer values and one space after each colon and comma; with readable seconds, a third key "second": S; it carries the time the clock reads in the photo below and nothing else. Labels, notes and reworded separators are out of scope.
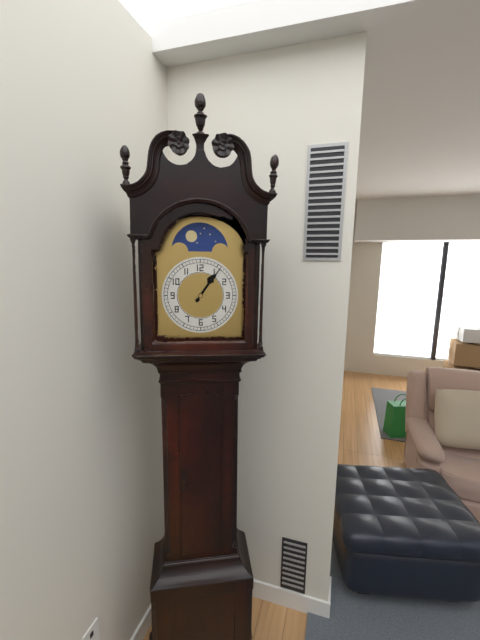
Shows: {"hour": 1, "minute": 6}
